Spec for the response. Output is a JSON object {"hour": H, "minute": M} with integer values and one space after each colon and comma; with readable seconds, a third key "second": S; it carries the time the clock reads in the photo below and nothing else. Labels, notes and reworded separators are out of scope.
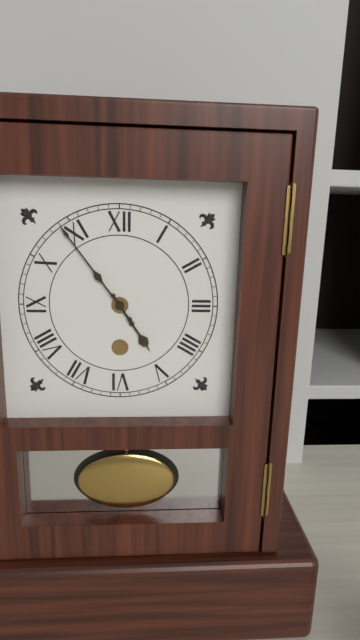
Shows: {"hour": 4, "minute": 54}
